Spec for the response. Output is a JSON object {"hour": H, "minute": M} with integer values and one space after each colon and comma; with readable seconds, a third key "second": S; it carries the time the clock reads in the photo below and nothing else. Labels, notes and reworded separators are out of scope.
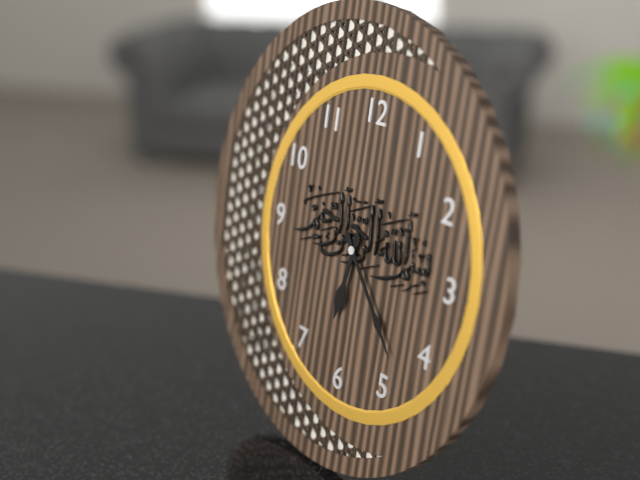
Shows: {"hour": 6, "minute": 23}
